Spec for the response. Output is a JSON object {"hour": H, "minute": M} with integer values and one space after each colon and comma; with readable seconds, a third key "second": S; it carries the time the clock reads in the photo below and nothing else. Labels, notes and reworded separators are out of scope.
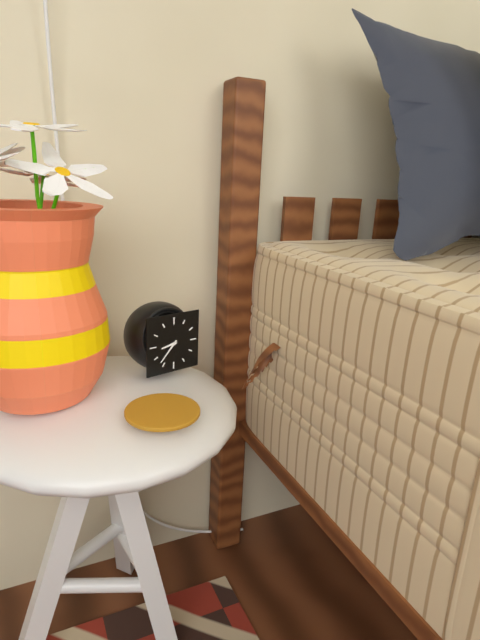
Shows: {"hour": 8, "minute": 37}
